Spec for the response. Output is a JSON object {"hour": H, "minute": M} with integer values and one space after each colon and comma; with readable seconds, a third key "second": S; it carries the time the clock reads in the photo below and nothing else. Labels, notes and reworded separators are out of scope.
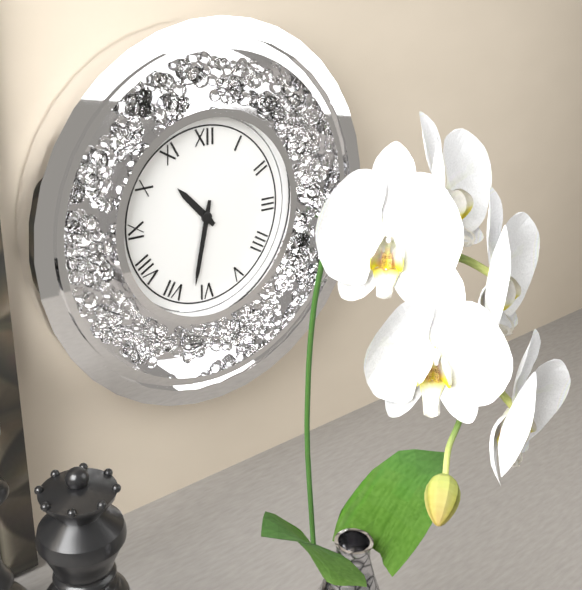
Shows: {"hour": 10, "minute": 32}
